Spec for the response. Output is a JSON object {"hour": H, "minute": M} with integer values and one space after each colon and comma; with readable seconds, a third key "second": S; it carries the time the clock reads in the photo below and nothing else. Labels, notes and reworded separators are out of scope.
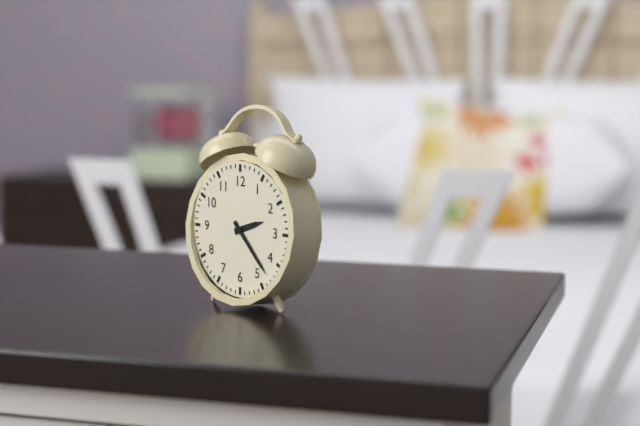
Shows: {"hour": 2, "minute": 23}
